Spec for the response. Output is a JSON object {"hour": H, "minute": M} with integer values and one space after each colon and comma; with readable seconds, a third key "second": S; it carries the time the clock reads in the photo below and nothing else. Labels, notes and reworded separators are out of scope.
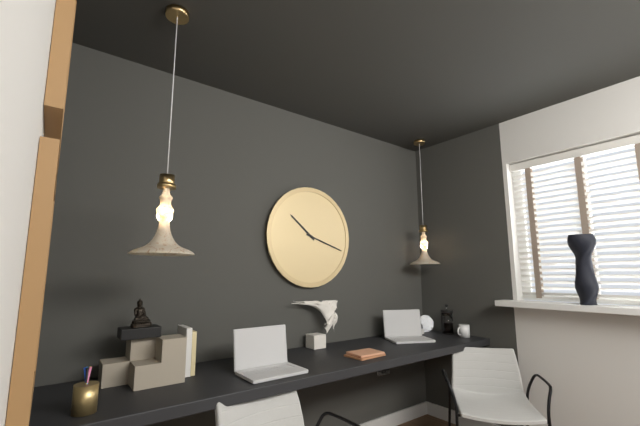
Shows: {"hour": 10, "minute": 18}
